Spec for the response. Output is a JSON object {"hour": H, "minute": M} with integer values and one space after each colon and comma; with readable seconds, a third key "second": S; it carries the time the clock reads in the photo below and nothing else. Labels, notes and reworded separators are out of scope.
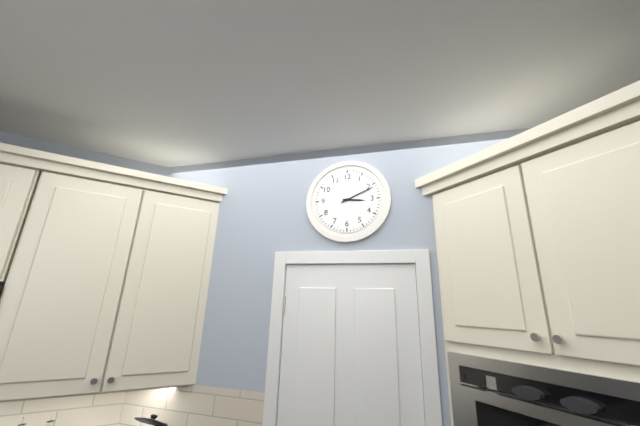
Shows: {"hour": 3, "minute": 11}
